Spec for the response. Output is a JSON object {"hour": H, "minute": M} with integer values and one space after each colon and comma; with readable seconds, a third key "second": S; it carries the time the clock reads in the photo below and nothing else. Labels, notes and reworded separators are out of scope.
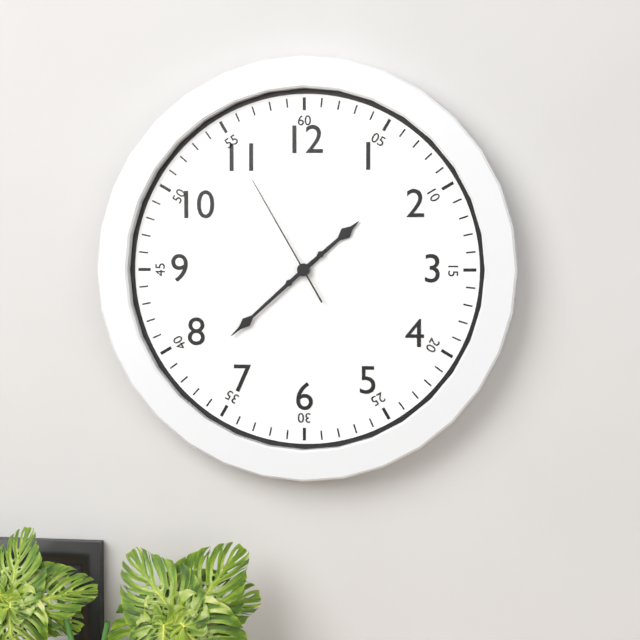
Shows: {"hour": 1, "minute": 38, "second": 55}
